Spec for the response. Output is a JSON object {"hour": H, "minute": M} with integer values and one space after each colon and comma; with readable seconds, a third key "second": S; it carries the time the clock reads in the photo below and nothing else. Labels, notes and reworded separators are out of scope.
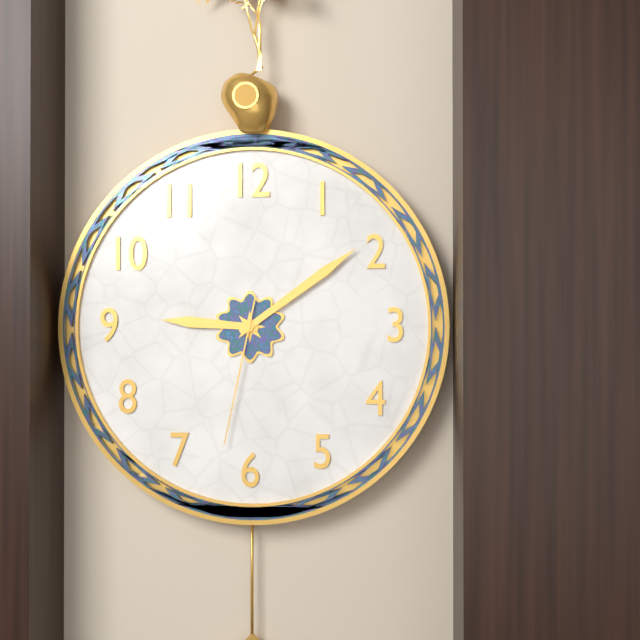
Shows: {"hour": 9, "minute": 9, "second": 32}
